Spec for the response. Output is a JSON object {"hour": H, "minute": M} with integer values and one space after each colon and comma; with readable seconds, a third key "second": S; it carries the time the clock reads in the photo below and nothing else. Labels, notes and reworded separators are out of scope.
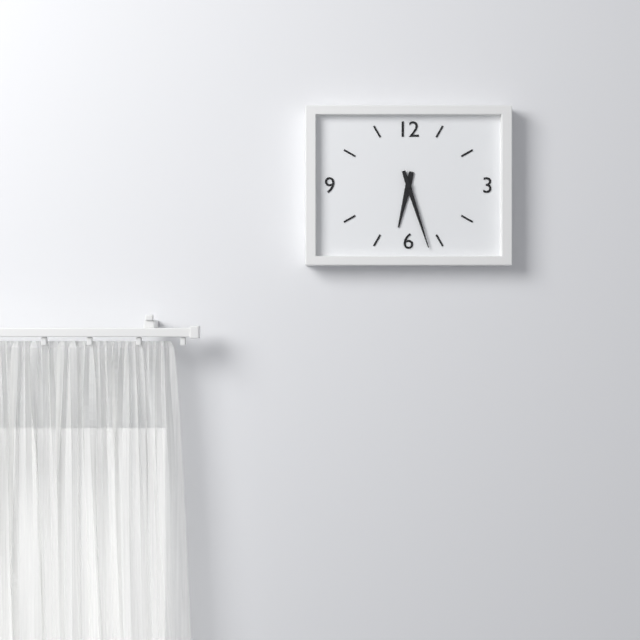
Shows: {"hour": 6, "minute": 27}
